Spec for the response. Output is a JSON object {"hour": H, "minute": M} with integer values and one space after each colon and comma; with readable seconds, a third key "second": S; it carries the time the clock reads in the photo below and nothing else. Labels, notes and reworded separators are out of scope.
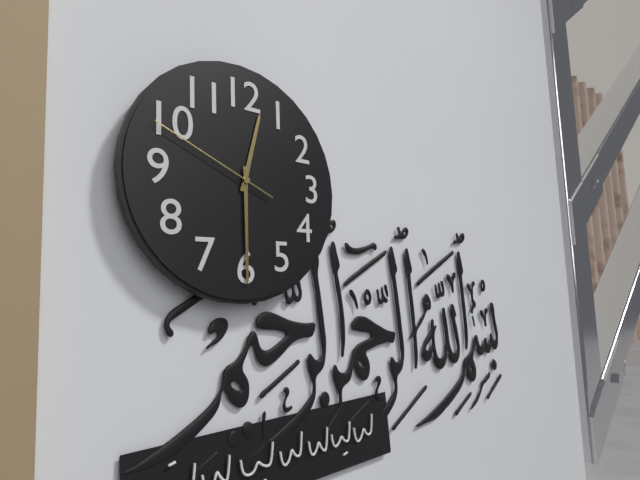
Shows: {"hour": 12, "minute": 30, "second": 49}
